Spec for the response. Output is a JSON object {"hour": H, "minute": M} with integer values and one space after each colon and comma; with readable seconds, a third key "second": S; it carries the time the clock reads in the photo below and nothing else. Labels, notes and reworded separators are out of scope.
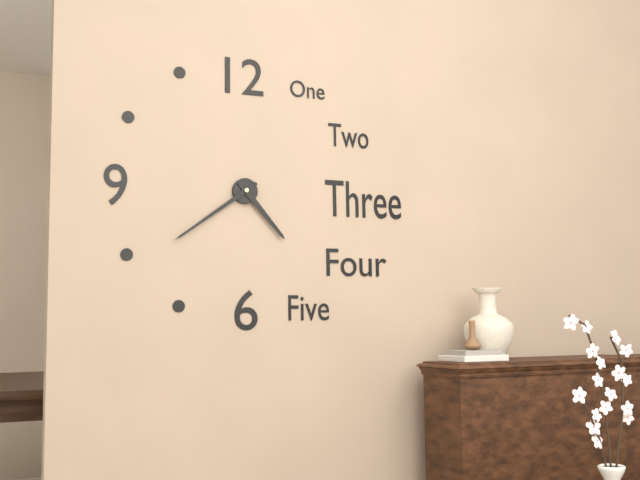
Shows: {"hour": 4, "minute": 39}
